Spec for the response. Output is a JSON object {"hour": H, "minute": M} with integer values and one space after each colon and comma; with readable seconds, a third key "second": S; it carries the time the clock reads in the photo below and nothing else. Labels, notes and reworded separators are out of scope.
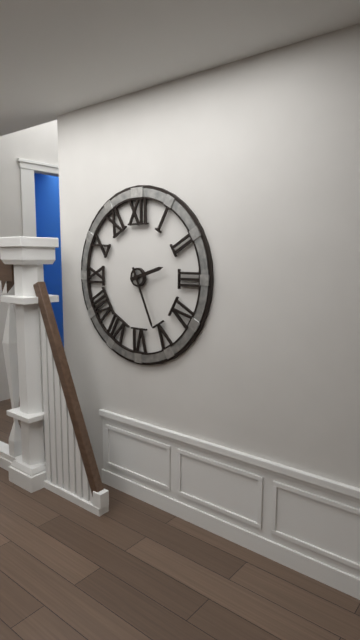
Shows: {"hour": 2, "minute": 26}
